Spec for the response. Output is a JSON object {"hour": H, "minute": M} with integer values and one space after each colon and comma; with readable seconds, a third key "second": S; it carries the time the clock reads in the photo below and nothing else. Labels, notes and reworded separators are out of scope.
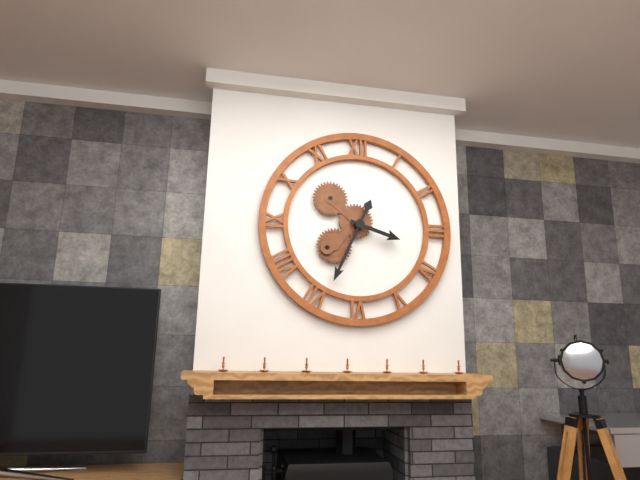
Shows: {"hour": 3, "minute": 34}
